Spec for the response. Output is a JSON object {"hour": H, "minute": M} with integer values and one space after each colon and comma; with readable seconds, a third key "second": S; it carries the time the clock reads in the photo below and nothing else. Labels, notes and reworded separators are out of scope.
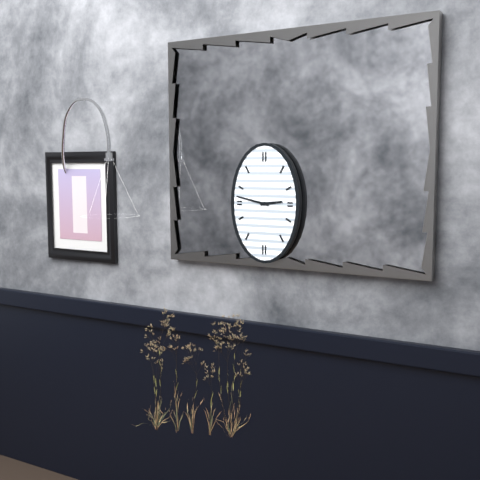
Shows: {"hour": 2, "minute": 47}
